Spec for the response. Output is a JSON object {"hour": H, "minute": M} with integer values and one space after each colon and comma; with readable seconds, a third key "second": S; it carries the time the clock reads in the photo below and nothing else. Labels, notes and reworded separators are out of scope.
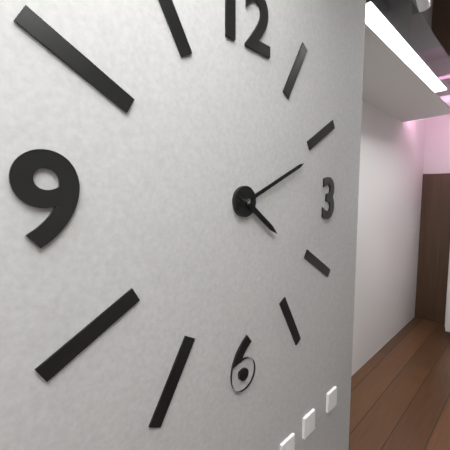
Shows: {"hour": 4, "minute": 11}
